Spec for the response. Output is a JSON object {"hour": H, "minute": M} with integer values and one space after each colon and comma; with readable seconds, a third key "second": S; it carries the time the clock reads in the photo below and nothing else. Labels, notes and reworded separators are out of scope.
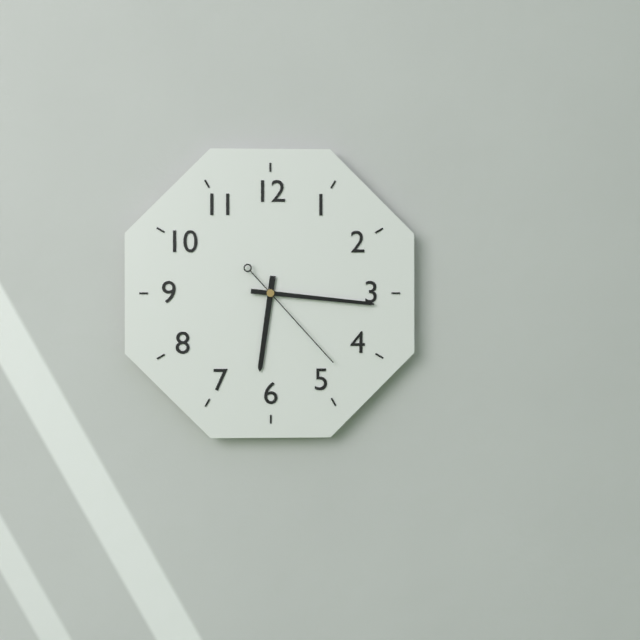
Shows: {"hour": 6, "minute": 16, "second": 23}
